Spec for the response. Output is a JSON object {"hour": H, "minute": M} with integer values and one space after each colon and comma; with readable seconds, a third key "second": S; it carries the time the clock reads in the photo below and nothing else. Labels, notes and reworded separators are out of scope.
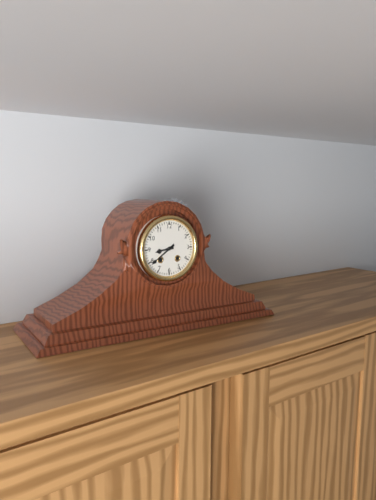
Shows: {"hour": 8, "minute": 39}
